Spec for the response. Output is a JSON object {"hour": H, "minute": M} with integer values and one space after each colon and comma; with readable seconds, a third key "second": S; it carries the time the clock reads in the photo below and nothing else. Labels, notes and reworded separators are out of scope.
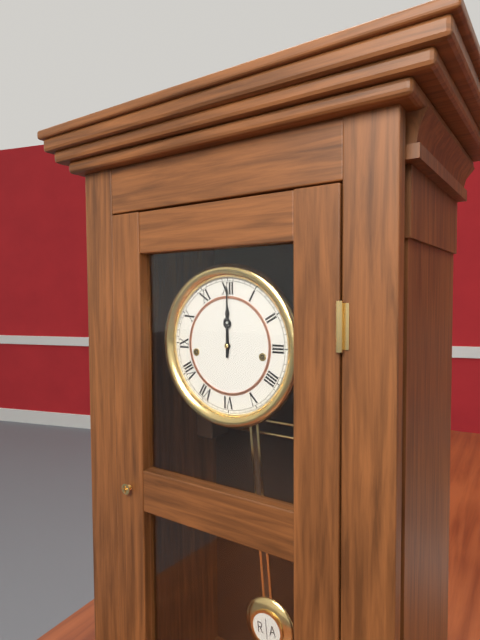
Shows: {"hour": 12, "minute": 0}
